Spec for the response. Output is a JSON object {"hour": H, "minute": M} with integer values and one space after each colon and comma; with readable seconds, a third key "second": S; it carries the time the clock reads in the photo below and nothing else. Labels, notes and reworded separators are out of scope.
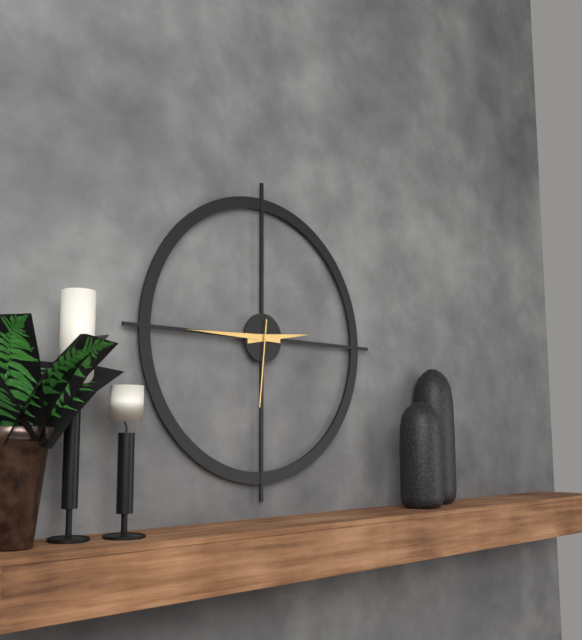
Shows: {"hour": 2, "minute": 45, "second": 31}
